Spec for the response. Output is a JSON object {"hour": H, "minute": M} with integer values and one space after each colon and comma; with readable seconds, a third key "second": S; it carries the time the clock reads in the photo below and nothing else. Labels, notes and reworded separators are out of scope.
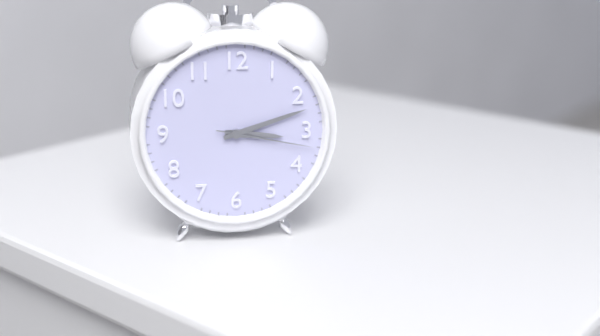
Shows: {"hour": 3, "minute": 12, "second": 17}
